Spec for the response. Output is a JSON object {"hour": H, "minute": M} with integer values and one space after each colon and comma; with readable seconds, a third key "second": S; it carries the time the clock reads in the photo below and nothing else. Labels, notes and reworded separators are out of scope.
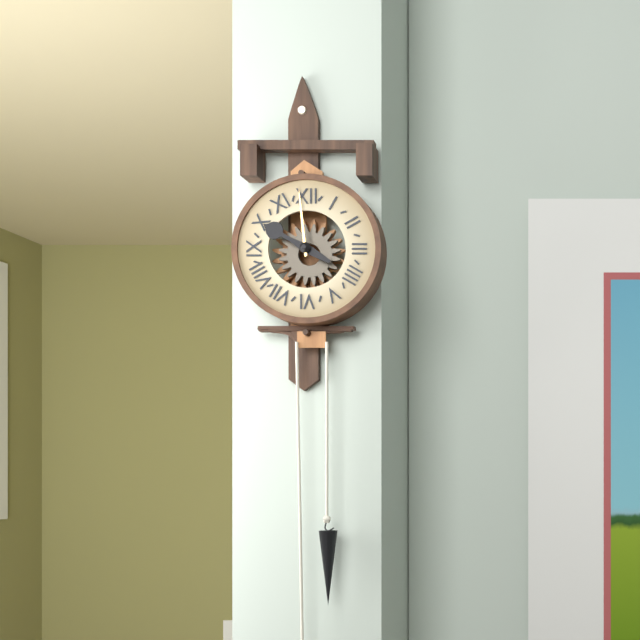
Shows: {"hour": 9, "minute": 59}
